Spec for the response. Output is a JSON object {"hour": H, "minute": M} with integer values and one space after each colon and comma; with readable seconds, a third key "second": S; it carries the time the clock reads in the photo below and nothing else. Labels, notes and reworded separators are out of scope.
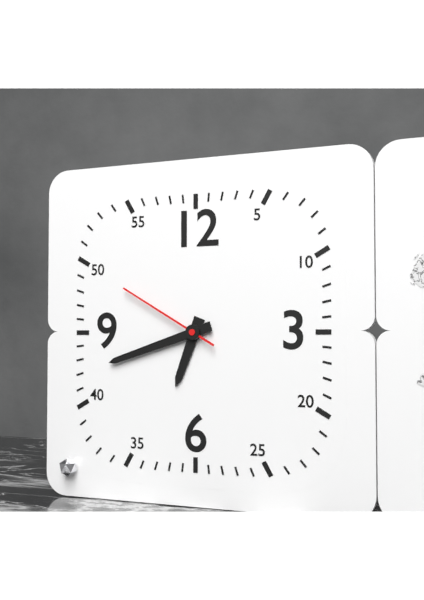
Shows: {"hour": 6, "minute": 42, "second": 50}
